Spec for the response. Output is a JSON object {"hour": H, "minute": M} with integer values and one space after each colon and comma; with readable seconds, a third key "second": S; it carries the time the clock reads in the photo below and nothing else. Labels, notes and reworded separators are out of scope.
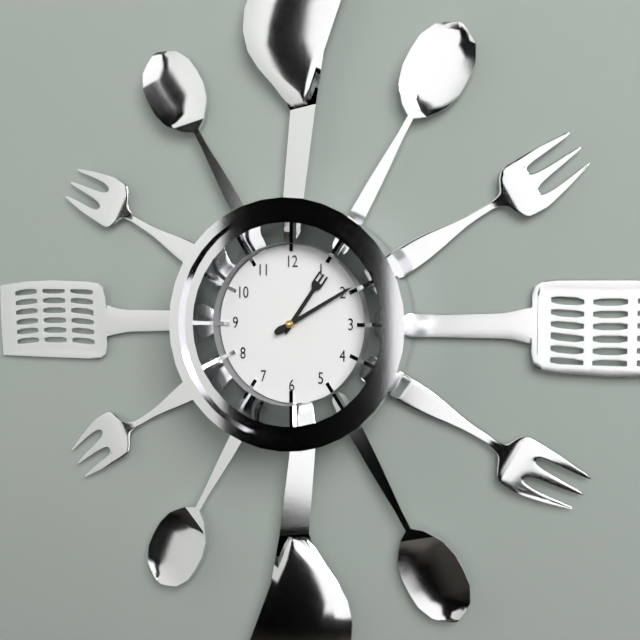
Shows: {"hour": 1, "minute": 10}
